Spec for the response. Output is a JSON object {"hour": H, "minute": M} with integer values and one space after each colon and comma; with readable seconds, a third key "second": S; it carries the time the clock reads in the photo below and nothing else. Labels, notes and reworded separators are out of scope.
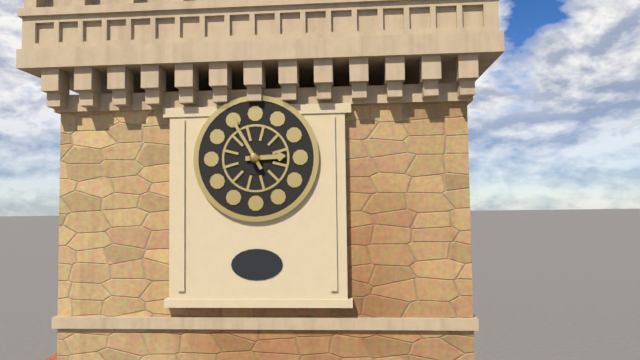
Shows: {"hour": 2, "minute": 55}
